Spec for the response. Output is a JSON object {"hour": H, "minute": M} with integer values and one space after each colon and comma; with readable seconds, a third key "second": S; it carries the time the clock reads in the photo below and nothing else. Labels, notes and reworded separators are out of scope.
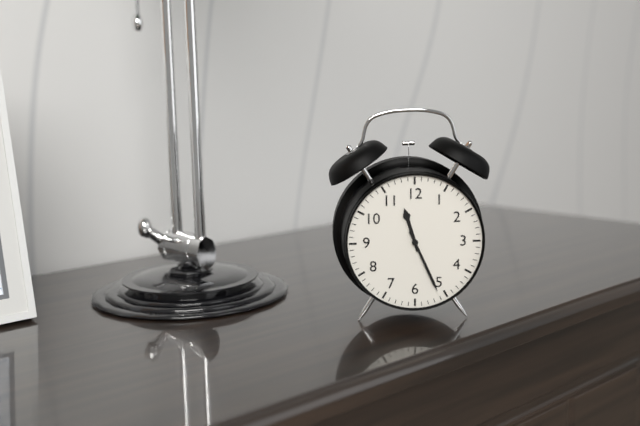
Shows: {"hour": 11, "minute": 26}
